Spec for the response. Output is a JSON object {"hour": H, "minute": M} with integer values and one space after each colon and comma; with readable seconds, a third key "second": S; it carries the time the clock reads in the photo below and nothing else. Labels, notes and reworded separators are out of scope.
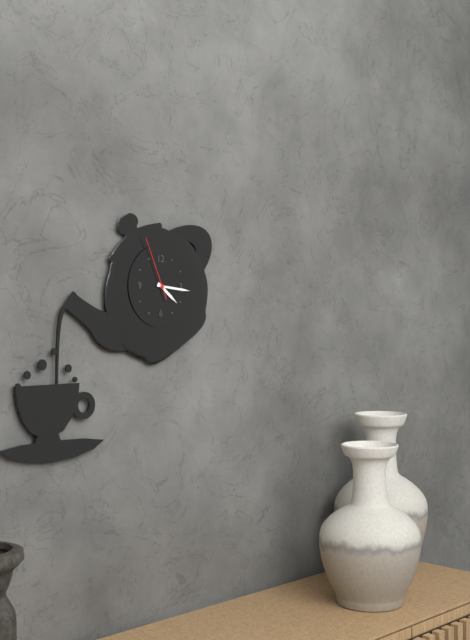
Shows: {"hour": 4, "minute": 16, "second": 56}
